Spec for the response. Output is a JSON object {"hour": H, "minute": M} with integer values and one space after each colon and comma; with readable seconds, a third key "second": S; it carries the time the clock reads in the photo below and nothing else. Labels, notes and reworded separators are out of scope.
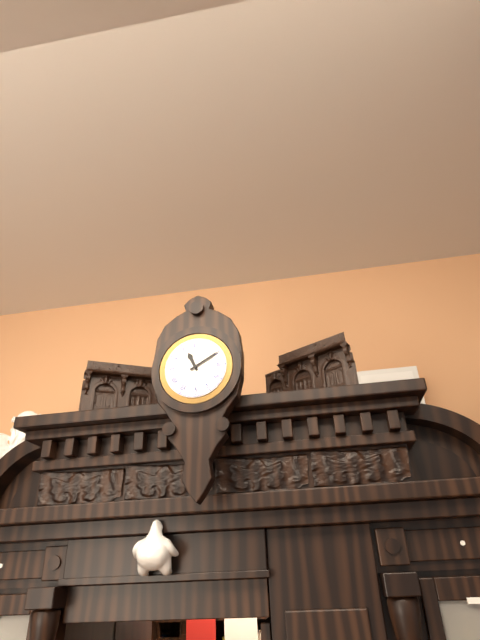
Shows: {"hour": 11, "minute": 10}
